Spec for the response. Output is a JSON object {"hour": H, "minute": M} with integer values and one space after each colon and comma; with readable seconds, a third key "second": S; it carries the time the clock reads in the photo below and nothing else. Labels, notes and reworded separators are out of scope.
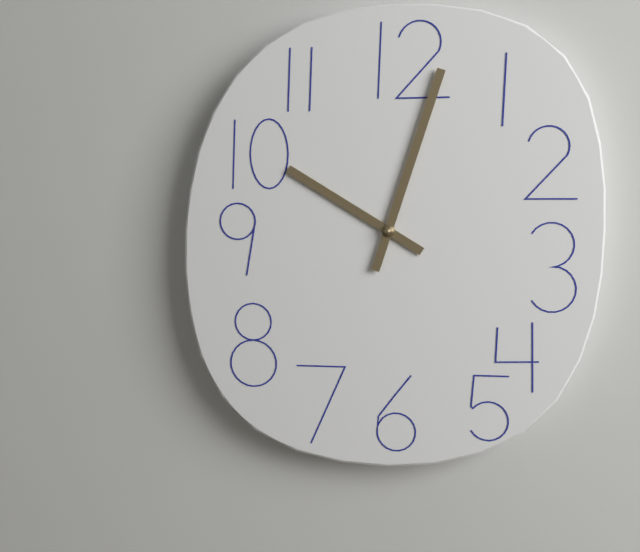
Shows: {"hour": 10, "minute": 3}
